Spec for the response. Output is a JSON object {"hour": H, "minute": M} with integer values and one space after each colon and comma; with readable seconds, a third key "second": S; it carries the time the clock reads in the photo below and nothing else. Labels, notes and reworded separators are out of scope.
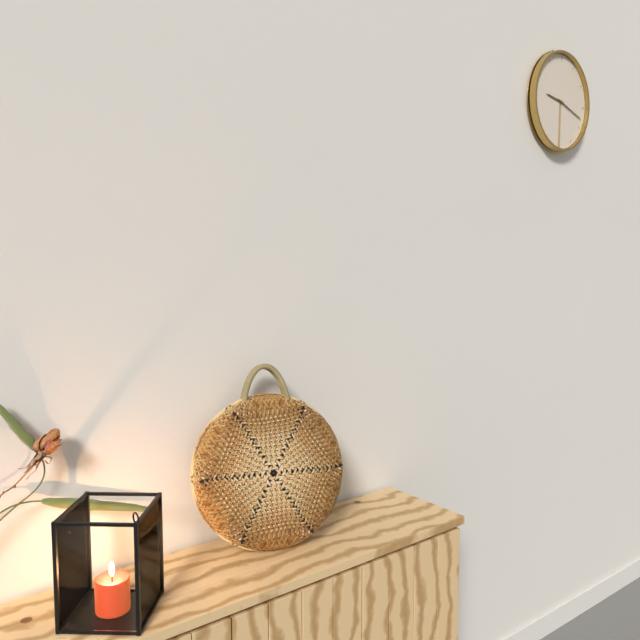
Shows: {"hour": 9, "minute": 18}
